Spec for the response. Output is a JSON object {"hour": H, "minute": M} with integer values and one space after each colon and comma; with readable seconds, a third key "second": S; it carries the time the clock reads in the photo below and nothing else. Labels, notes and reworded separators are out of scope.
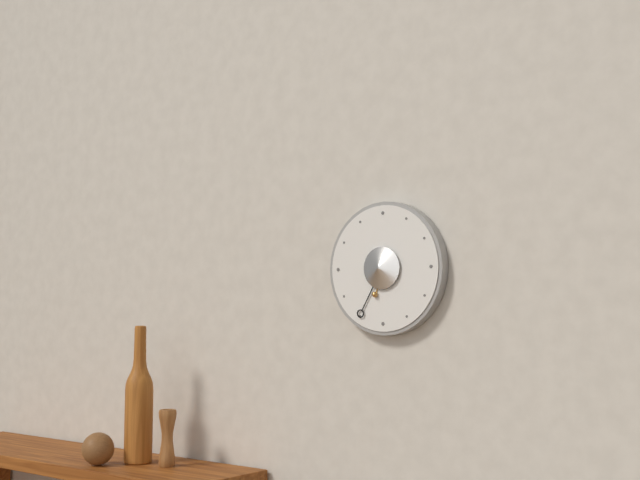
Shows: {"hour": 6, "minute": 35}
